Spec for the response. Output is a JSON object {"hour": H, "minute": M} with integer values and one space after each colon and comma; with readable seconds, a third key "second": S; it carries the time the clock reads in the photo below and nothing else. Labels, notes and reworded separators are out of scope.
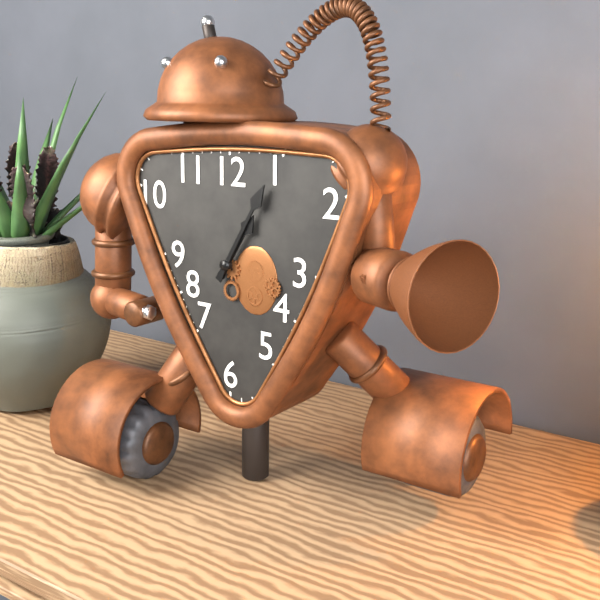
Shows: {"hour": 1, "minute": 5}
